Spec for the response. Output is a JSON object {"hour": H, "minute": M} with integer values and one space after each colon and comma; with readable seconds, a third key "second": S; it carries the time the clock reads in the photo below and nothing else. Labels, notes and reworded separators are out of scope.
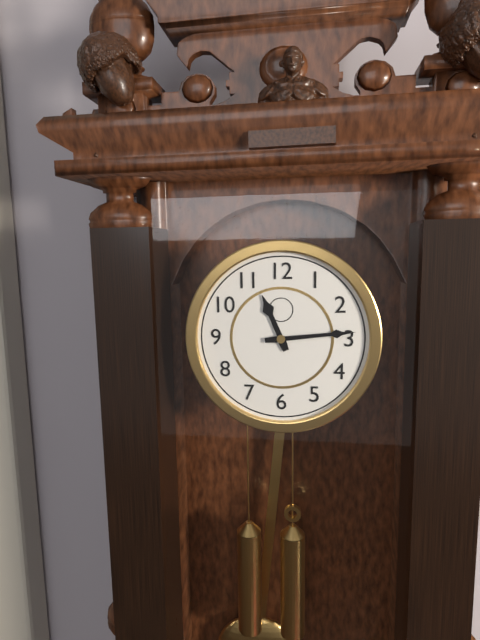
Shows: {"hour": 11, "minute": 14}
